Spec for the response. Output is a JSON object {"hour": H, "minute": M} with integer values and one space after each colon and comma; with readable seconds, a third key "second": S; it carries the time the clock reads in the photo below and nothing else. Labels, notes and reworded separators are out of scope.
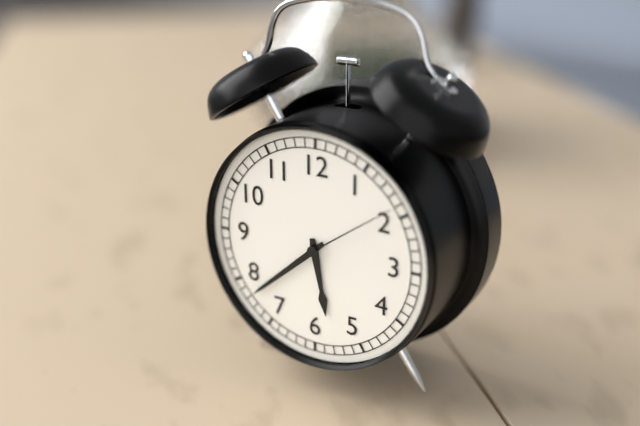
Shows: {"hour": 5, "minute": 38, "second": 9}
